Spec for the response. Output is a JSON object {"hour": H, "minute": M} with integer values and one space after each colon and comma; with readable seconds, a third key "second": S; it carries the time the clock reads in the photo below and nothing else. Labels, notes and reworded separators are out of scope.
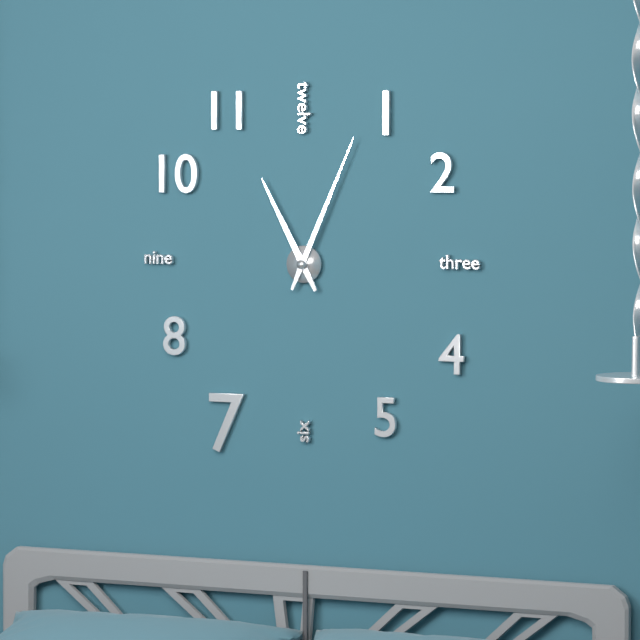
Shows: {"hour": 11, "minute": 4}
